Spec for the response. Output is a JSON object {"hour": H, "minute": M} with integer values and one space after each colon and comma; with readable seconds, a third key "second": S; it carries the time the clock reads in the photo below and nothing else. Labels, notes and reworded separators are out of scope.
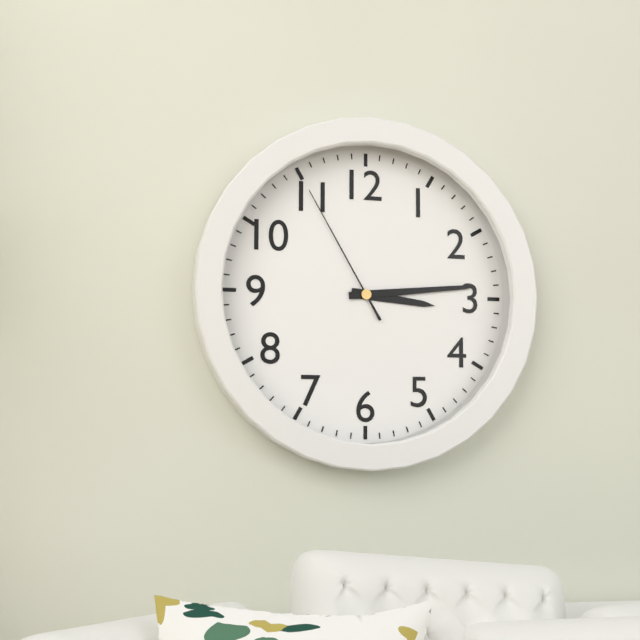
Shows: {"hour": 3, "minute": 14, "second": 55}
